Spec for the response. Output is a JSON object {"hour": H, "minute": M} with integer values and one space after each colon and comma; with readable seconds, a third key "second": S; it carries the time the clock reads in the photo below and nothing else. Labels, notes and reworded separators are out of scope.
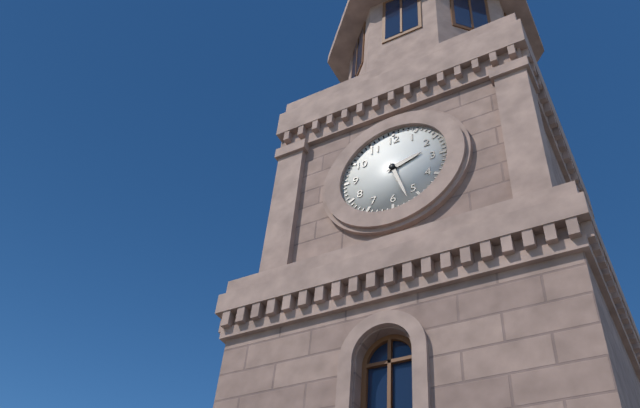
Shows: {"hour": 2, "minute": 27}
